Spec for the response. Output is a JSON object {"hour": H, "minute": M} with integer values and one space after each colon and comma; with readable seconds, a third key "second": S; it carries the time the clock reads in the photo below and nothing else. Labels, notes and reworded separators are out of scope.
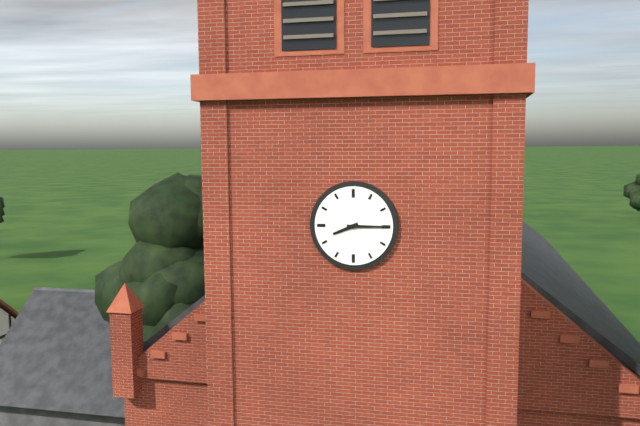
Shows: {"hour": 8, "minute": 15}
